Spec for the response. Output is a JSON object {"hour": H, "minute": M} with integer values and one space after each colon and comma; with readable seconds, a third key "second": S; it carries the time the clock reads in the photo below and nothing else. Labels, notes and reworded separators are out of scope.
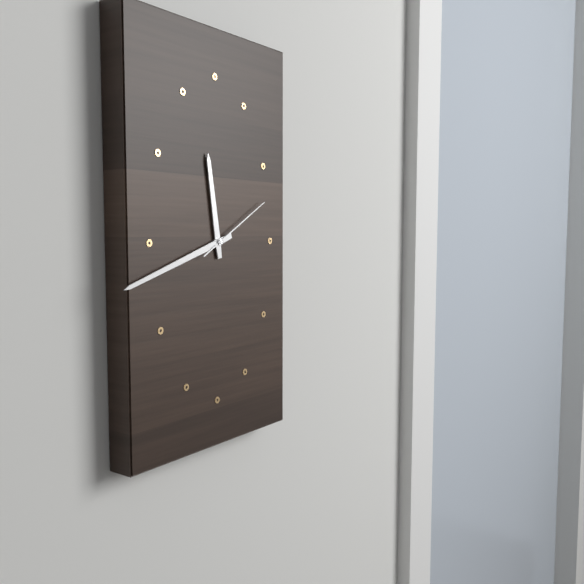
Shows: {"hour": 11, "minute": 42, "second": 10}
